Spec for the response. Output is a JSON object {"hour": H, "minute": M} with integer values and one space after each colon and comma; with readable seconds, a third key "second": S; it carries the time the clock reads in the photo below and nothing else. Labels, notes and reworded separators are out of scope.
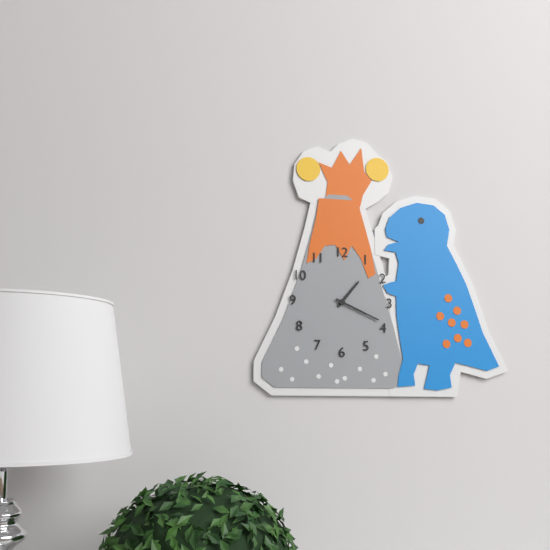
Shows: {"hour": 1, "minute": 19}
